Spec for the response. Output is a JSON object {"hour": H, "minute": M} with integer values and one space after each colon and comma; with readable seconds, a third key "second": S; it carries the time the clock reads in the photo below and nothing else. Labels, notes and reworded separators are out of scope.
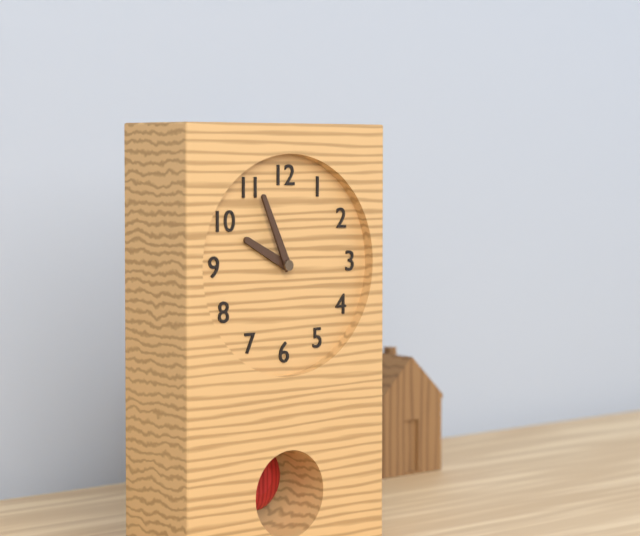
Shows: {"hour": 9, "minute": 56}
